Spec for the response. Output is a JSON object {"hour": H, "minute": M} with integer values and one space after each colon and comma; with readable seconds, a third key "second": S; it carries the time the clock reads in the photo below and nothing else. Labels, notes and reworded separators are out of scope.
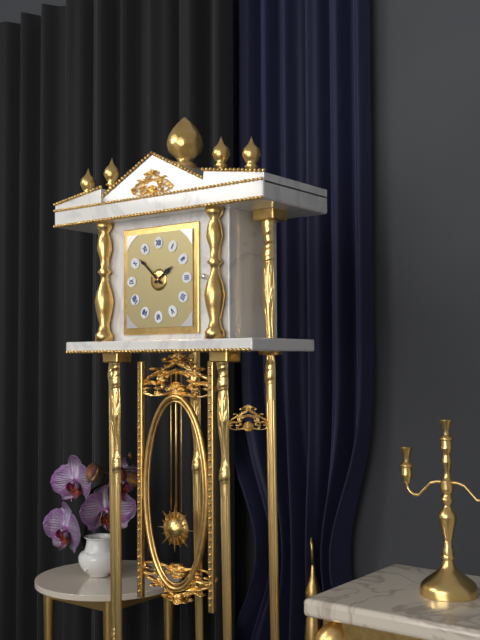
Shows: {"hour": 1, "minute": 52}
